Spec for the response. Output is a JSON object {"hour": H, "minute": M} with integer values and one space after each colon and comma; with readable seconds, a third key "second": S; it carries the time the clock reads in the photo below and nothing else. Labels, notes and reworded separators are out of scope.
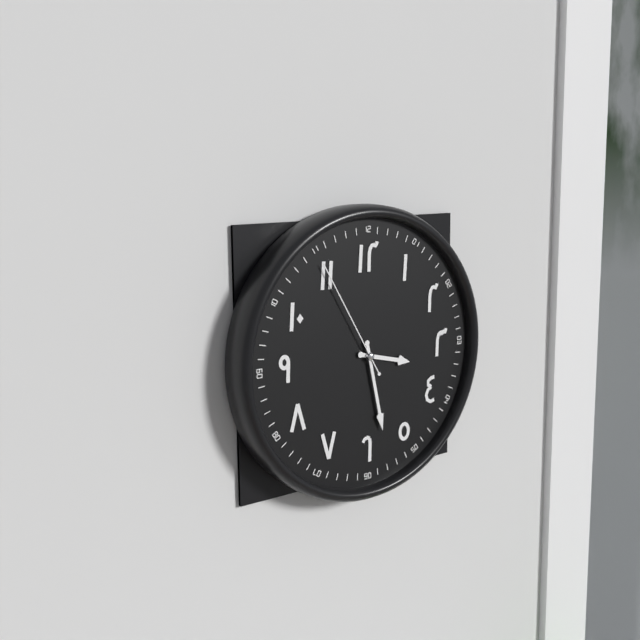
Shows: {"hour": 3, "minute": 28, "second": 55}
